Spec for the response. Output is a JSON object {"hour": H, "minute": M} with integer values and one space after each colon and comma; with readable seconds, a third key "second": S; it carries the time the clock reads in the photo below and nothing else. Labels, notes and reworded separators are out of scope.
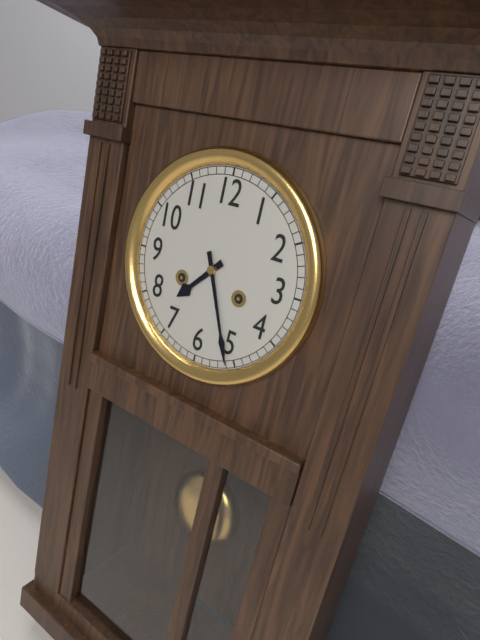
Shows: {"hour": 7, "minute": 26}
